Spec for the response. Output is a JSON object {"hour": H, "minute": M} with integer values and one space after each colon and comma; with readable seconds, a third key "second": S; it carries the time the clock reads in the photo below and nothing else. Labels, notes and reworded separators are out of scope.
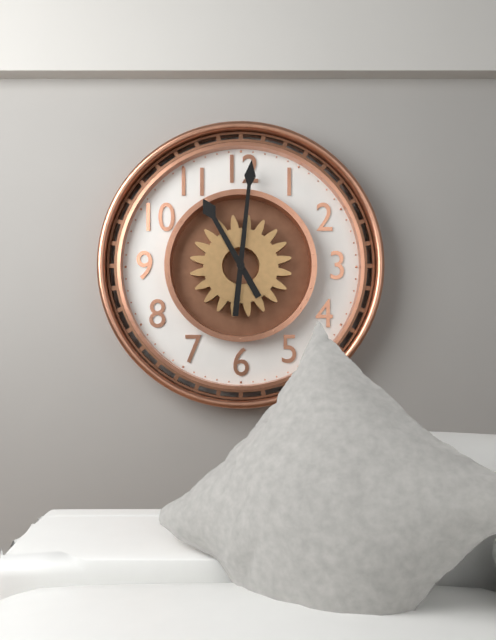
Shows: {"hour": 11, "minute": 1}
